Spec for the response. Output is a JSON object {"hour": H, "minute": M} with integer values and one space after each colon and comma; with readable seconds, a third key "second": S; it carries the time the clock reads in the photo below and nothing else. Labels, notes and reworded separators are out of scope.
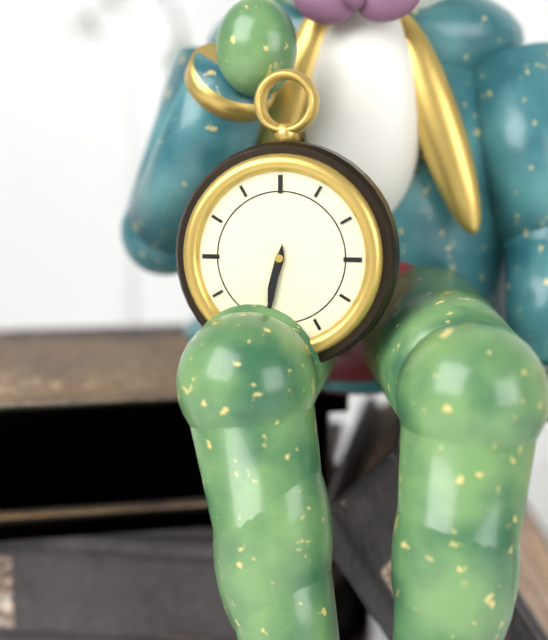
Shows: {"hour": 6, "minute": 32}
